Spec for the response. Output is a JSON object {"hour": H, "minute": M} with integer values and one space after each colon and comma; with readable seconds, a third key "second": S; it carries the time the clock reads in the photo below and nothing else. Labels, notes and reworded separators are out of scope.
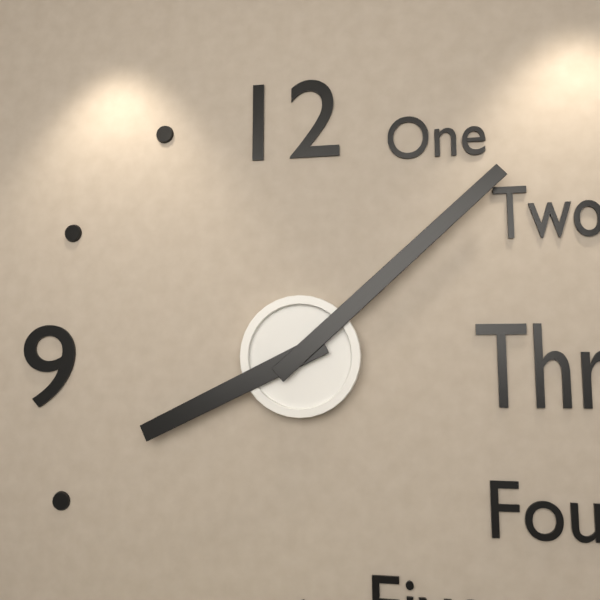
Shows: {"hour": 8, "minute": 8}
